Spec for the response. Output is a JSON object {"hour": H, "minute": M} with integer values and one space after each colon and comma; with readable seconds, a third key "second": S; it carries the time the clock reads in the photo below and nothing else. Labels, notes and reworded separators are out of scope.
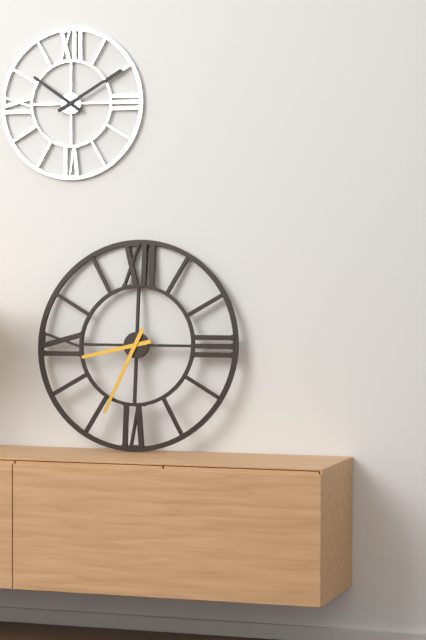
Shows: {"hour": 8, "minute": 34}
